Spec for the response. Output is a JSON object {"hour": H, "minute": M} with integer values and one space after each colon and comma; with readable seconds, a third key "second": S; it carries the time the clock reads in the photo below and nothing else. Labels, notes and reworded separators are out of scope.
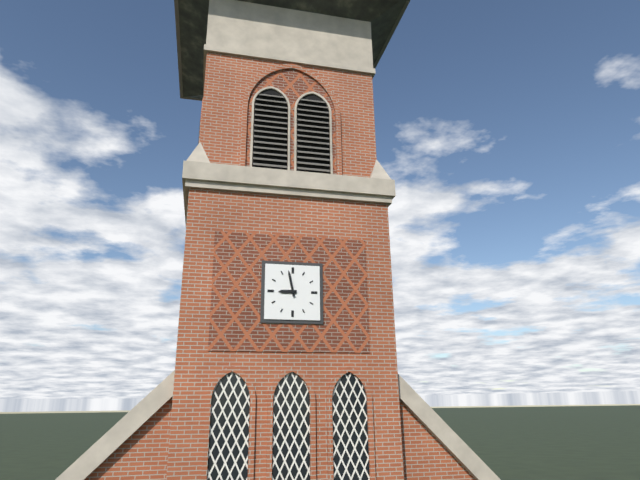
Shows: {"hour": 8, "minute": 58}
